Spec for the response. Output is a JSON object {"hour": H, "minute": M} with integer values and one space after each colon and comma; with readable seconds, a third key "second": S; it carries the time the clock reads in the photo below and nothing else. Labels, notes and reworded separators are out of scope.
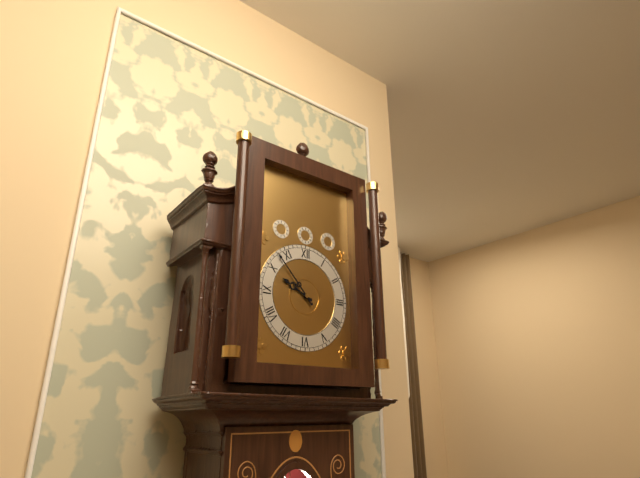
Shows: {"hour": 9, "minute": 53}
